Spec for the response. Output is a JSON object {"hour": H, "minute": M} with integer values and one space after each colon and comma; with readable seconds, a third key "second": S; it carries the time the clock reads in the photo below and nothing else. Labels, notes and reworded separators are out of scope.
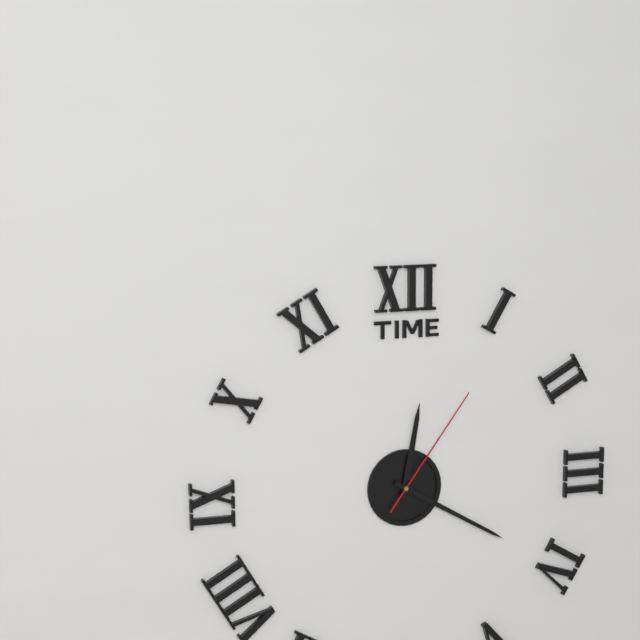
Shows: {"hour": 12, "minute": 20, "second": 6}
